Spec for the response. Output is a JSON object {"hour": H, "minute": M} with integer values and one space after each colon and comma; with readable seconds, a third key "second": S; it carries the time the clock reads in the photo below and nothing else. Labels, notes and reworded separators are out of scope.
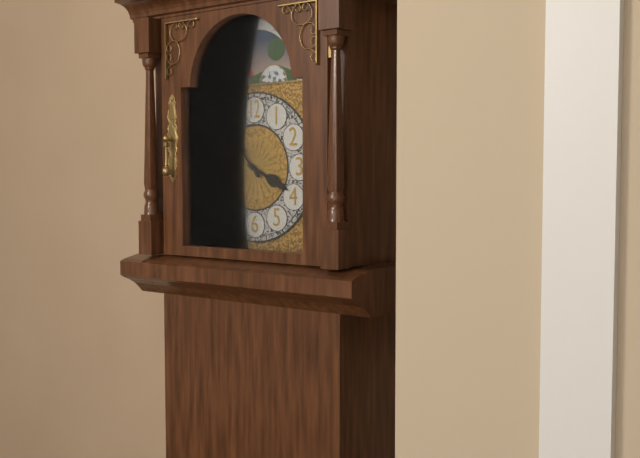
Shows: {"hour": 3, "minute": 53}
